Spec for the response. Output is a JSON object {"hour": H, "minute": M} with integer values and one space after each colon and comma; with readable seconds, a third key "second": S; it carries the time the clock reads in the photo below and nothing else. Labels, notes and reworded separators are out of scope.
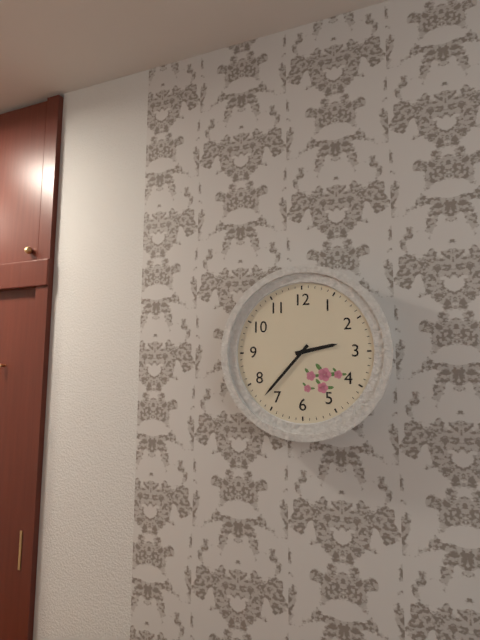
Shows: {"hour": 2, "minute": 37}
